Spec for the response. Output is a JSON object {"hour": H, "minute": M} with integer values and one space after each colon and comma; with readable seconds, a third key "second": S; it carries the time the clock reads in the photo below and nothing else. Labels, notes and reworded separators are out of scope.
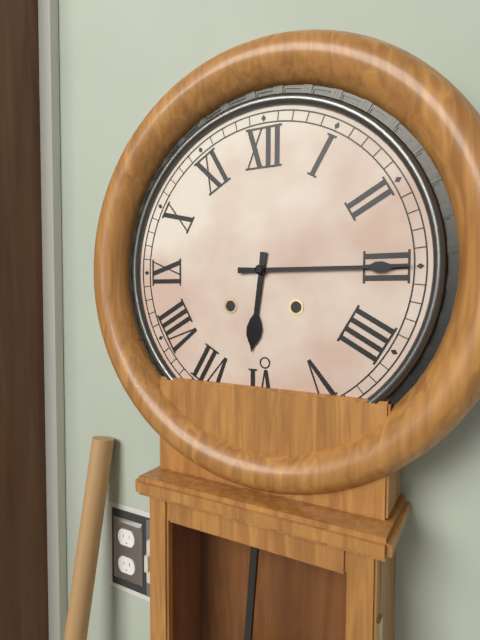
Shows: {"hour": 6, "minute": 15}
